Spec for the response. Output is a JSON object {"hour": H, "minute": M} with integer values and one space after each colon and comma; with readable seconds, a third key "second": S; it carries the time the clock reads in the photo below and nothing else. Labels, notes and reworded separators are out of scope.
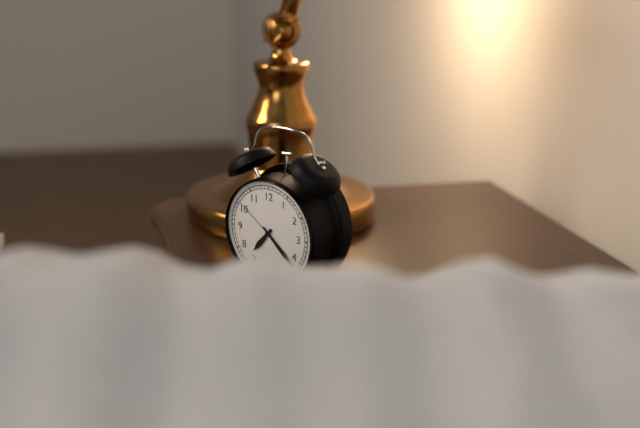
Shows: {"hour": 7, "minute": 22, "second": 51}
